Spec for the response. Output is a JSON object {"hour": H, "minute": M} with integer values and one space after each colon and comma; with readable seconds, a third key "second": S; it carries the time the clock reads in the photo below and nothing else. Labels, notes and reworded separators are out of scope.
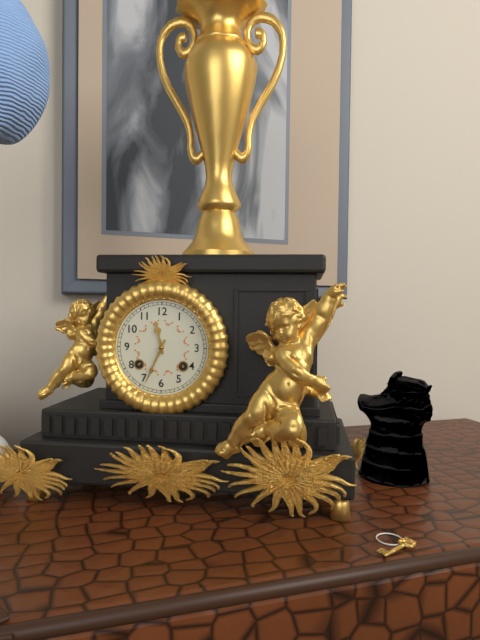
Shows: {"hour": 11, "minute": 34}
